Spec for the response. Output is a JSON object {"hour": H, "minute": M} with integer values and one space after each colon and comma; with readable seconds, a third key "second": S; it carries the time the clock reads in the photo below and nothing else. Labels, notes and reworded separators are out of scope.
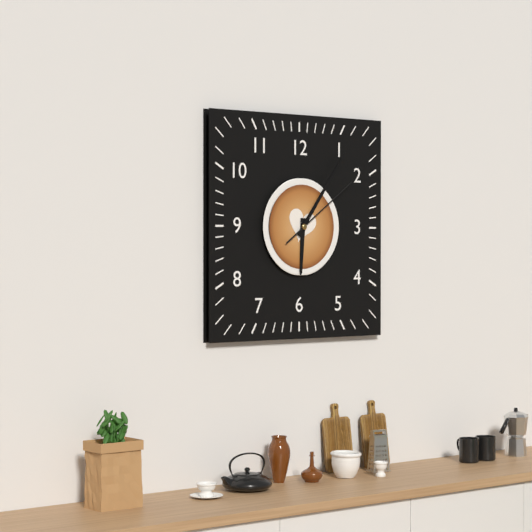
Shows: {"hour": 6, "minute": 6, "second": 9}
